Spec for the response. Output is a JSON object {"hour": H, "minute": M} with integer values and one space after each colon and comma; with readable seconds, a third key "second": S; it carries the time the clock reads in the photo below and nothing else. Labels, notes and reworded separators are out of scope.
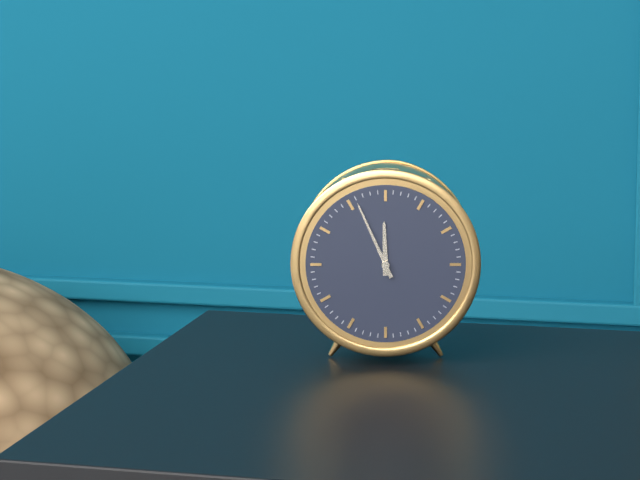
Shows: {"hour": 11, "minute": 56}
